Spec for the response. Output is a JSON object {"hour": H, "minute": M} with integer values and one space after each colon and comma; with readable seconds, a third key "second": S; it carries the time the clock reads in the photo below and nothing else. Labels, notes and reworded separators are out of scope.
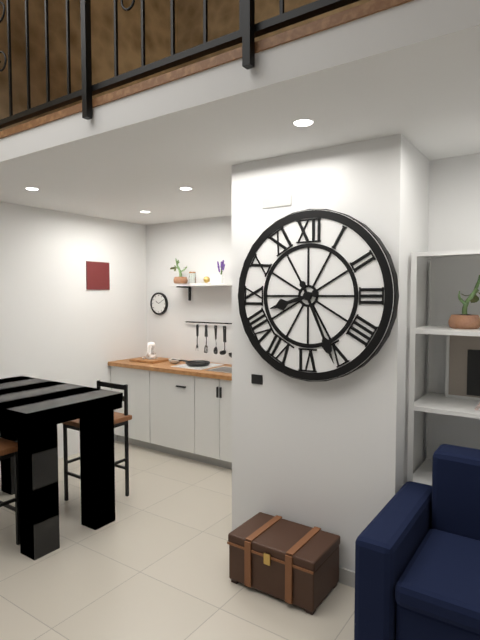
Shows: {"hour": 8, "minute": 26}
